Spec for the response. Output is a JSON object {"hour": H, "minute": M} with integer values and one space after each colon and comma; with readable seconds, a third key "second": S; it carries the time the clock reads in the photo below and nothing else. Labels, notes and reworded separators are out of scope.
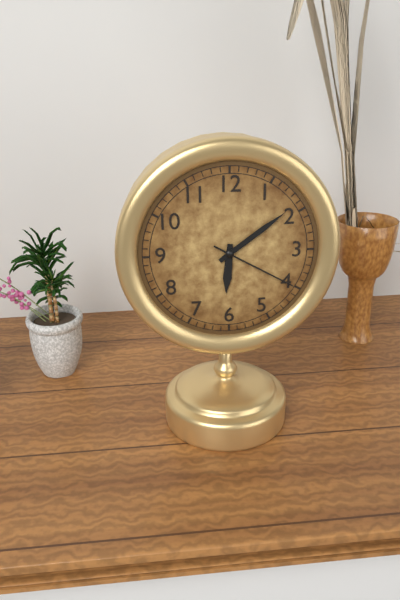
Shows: {"hour": 6, "minute": 9, "second": 20}
